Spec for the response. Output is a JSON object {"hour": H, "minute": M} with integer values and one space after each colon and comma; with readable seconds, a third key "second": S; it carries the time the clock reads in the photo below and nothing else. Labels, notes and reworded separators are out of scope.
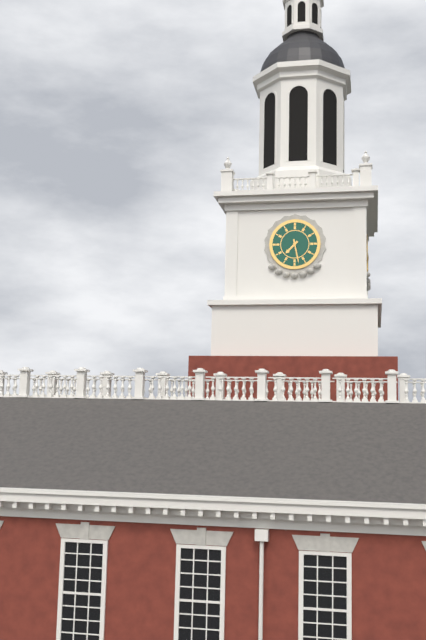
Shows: {"hour": 7, "minute": 28}
